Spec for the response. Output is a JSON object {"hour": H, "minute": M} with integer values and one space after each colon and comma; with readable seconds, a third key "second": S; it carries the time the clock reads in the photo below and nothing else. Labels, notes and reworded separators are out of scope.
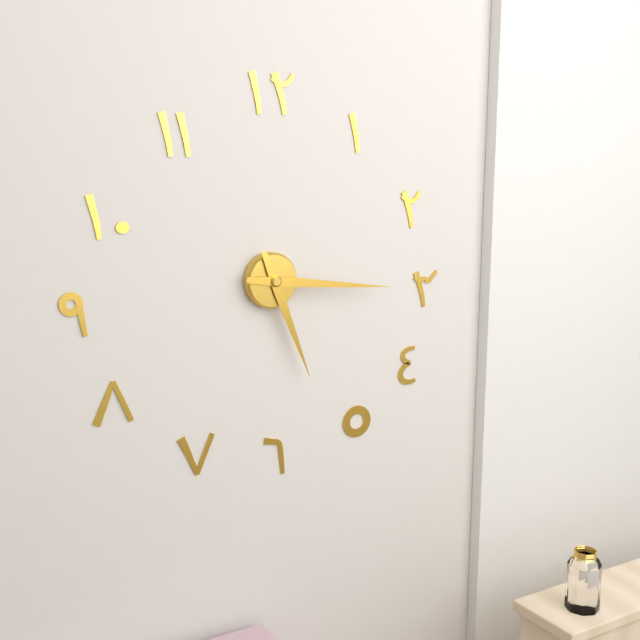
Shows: {"hour": 5, "minute": 16}
